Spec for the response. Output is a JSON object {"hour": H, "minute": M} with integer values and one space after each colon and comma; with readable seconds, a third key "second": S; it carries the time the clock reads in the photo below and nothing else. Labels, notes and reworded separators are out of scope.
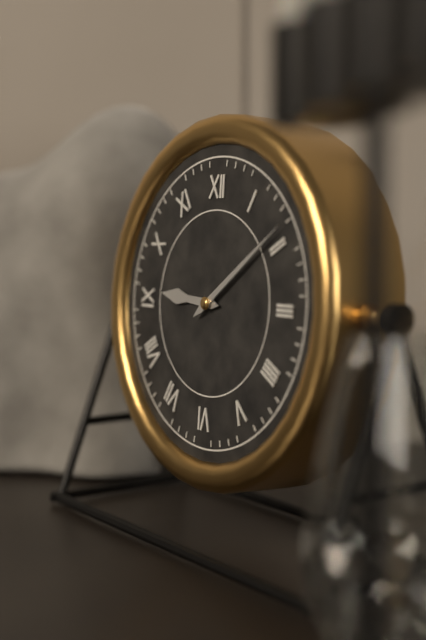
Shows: {"hour": 9, "minute": 9}
